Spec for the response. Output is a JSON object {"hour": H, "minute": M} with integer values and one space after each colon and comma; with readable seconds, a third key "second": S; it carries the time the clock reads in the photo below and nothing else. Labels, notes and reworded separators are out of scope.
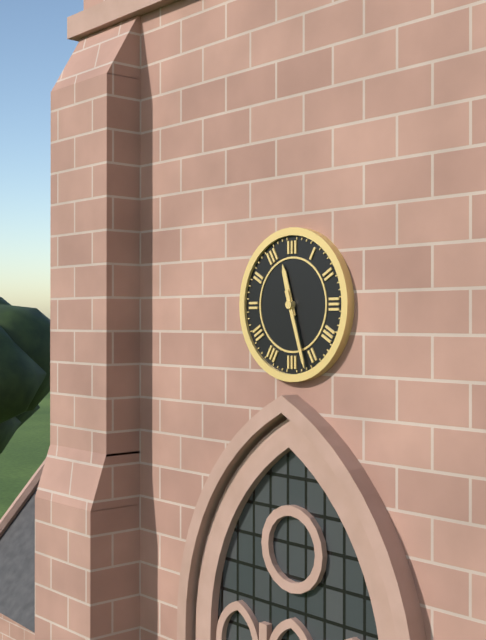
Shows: {"hour": 11, "minute": 27}
